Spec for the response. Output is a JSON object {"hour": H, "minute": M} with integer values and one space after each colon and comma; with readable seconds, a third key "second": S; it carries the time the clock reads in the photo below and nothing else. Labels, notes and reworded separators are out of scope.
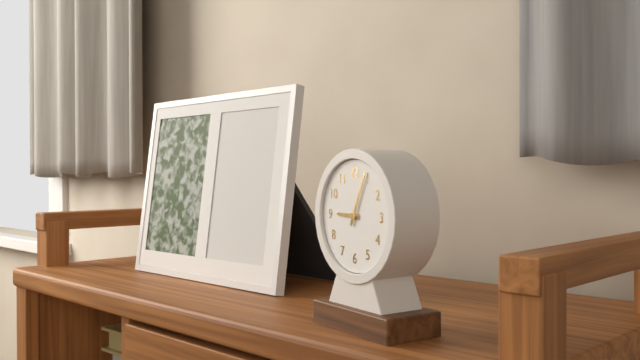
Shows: {"hour": 9, "minute": 4}
